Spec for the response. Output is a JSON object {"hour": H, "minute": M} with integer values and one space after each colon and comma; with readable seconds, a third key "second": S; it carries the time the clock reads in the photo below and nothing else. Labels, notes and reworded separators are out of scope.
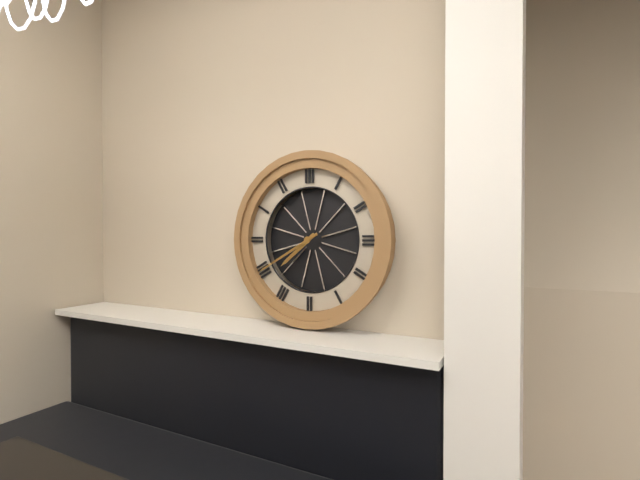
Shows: {"hour": 7, "minute": 40}
